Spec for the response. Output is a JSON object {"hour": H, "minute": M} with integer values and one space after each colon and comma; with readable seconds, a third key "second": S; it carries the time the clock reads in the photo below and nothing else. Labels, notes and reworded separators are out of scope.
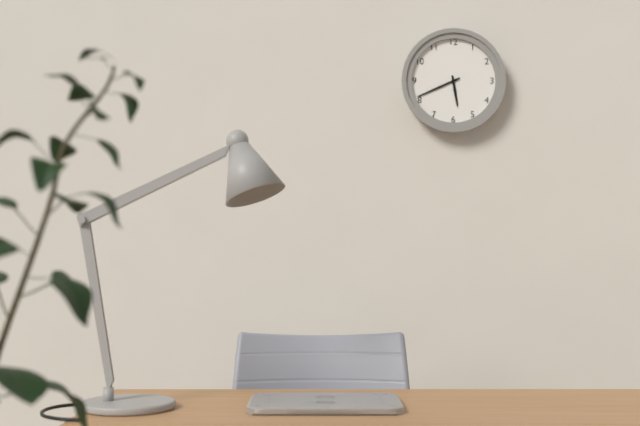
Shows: {"hour": 5, "minute": 41}
